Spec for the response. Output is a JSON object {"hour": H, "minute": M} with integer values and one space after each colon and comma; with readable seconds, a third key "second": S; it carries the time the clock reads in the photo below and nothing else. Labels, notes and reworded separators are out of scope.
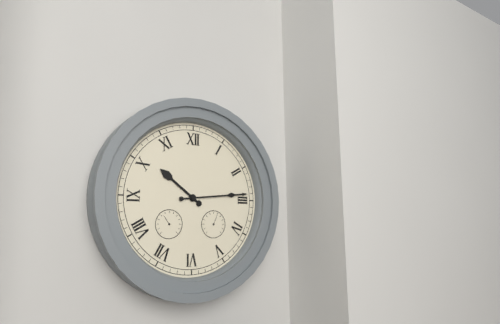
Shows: {"hour": 10, "minute": 14}
